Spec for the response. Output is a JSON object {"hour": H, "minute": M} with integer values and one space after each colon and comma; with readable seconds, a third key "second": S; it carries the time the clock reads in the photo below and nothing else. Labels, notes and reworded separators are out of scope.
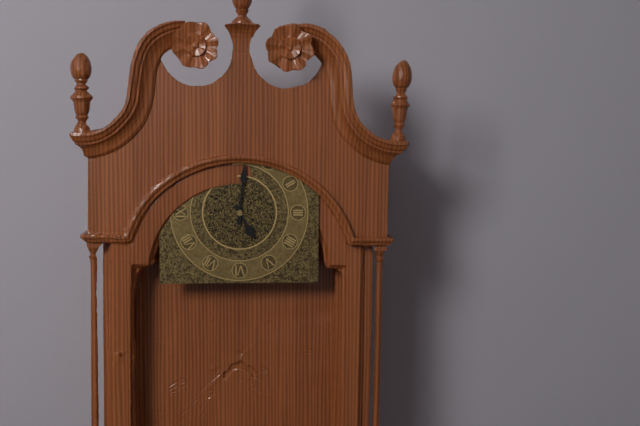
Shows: {"hour": 5, "minute": 1}
